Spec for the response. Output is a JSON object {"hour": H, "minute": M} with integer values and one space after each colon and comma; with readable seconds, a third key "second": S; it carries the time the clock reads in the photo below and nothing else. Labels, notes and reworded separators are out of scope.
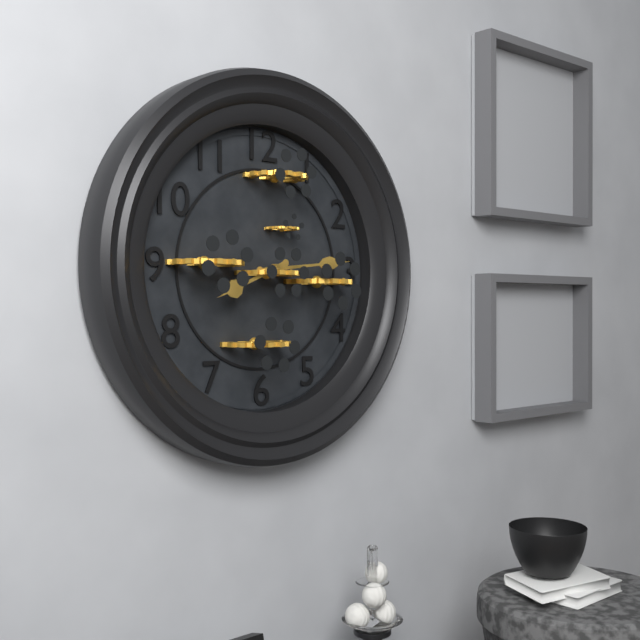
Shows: {"hour": 8, "minute": 14}
